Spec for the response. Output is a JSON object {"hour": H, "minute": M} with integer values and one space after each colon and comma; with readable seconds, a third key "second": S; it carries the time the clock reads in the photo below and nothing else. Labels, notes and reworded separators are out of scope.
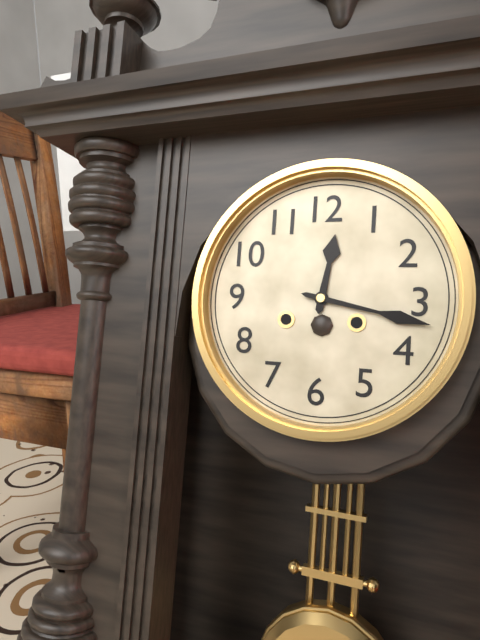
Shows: {"hour": 12, "minute": 17}
